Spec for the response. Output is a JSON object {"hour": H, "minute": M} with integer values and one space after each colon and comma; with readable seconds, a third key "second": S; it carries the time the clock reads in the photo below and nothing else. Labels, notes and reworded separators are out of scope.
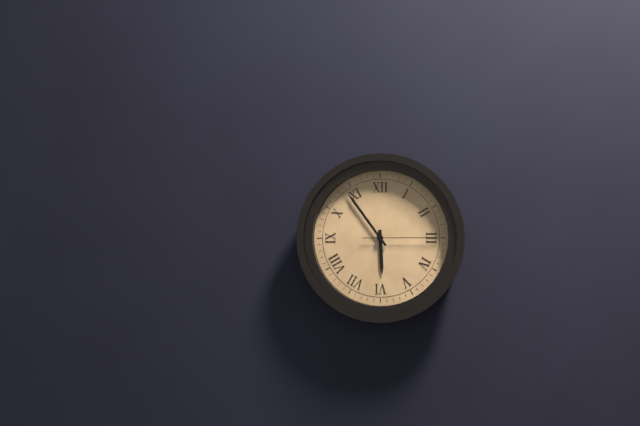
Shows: {"hour": 5, "minute": 54, "second": 15}
